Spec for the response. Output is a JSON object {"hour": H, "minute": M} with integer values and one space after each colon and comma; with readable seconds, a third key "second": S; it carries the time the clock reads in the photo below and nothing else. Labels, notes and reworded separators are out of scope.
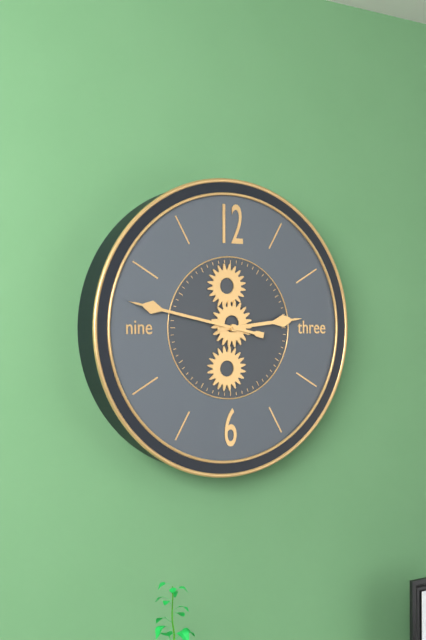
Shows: {"hour": 2, "minute": 47}
